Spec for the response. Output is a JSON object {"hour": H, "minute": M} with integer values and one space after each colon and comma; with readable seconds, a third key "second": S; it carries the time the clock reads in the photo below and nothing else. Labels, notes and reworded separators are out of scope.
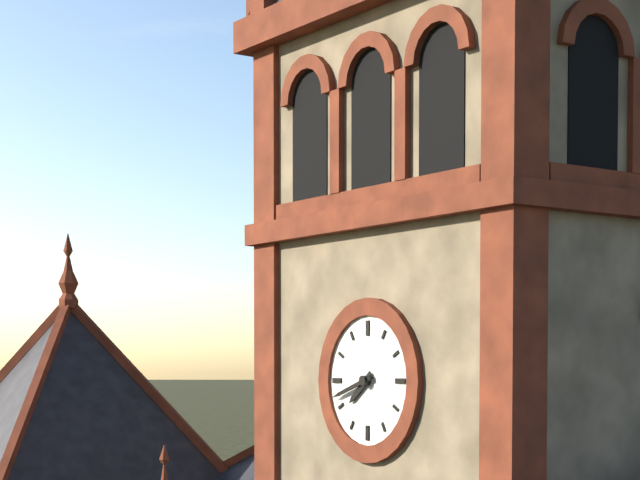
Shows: {"hour": 7, "minute": 42}
